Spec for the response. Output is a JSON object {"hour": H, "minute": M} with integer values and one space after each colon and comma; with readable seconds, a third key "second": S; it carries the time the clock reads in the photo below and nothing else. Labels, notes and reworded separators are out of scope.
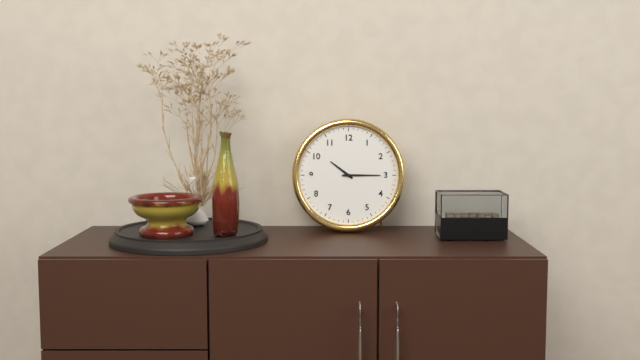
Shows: {"hour": 10, "minute": 15}
